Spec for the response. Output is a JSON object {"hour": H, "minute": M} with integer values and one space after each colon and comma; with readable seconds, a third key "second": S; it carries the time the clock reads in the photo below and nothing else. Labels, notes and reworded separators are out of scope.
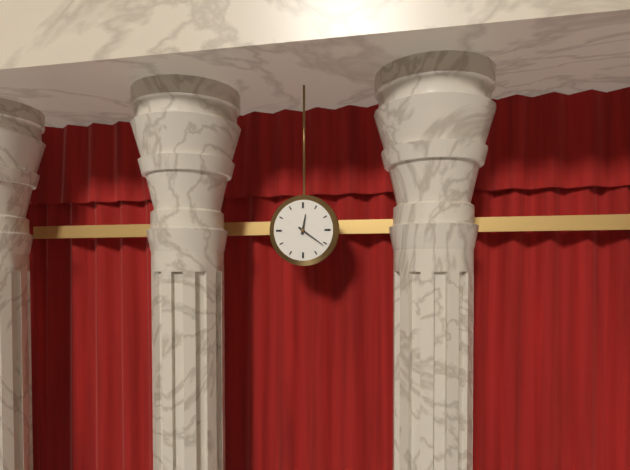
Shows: {"hour": 12, "minute": 21}
